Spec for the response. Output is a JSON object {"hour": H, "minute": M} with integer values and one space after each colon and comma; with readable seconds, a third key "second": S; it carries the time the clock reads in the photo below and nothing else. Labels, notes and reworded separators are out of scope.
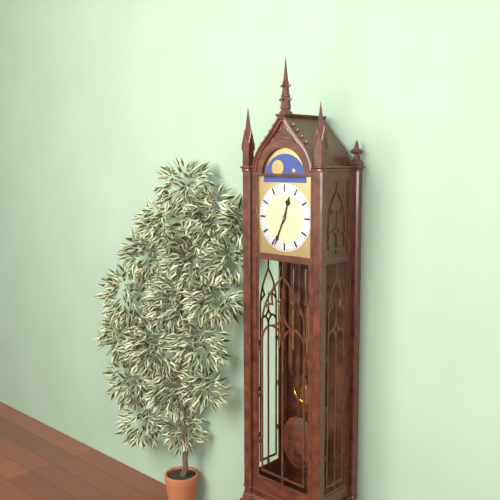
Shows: {"hour": 12, "minute": 34}
